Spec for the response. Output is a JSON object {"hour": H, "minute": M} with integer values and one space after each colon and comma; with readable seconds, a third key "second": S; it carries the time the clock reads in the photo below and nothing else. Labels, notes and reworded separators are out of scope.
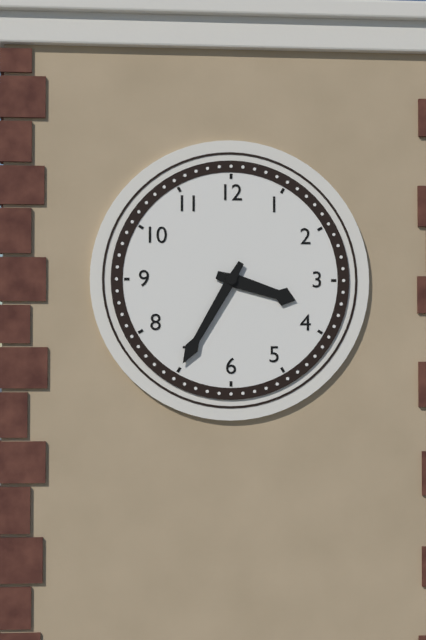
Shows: {"hour": 3, "minute": 35}
